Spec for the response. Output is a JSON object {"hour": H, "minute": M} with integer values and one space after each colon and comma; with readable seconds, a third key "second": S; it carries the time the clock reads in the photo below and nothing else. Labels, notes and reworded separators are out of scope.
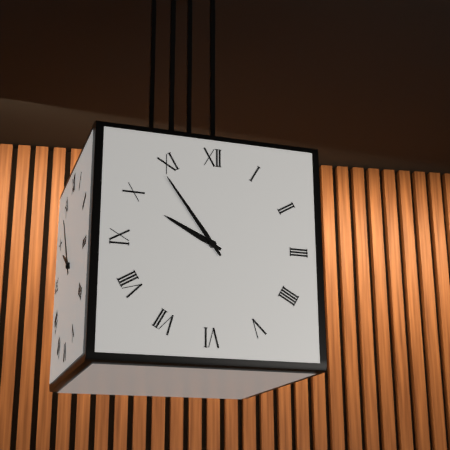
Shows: {"hour": 9, "minute": 54}
